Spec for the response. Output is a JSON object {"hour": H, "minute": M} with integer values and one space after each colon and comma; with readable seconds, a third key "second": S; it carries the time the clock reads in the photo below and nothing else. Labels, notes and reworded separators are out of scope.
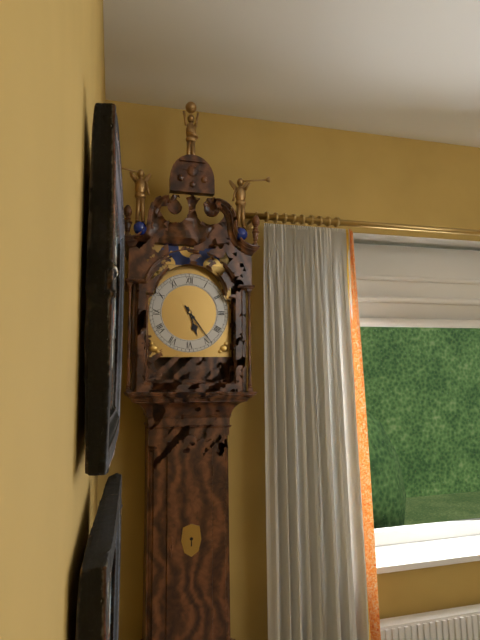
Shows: {"hour": 5, "minute": 24}
